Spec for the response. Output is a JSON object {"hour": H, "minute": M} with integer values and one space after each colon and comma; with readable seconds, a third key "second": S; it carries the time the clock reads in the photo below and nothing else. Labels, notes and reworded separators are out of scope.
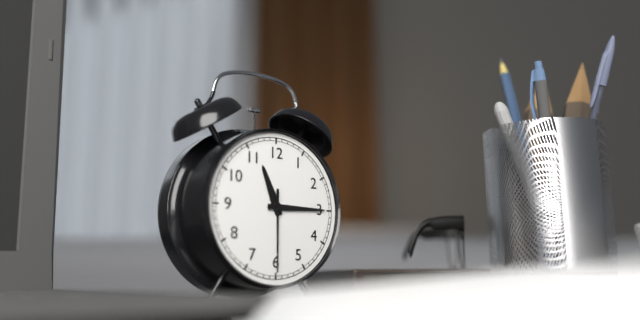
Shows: {"hour": 11, "minute": 15, "second": 30}
